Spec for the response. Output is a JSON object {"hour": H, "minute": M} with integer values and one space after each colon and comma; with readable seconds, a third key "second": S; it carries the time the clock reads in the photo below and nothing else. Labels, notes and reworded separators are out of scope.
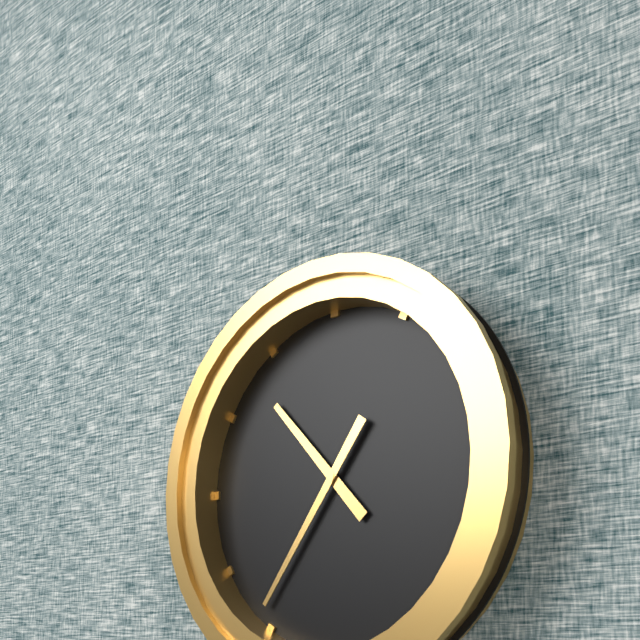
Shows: {"hour": 10, "minute": 36}
